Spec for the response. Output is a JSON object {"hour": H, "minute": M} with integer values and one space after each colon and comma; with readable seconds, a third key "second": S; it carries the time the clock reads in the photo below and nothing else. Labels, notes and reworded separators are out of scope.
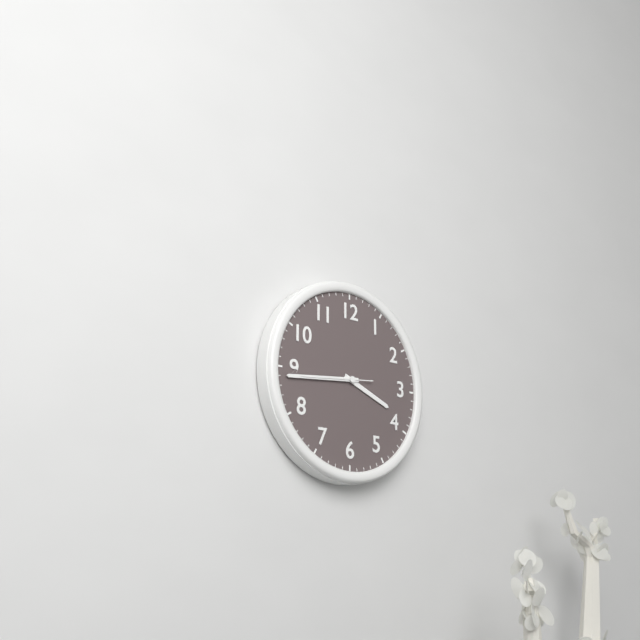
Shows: {"hour": 3, "minute": 44, "second": 44}
